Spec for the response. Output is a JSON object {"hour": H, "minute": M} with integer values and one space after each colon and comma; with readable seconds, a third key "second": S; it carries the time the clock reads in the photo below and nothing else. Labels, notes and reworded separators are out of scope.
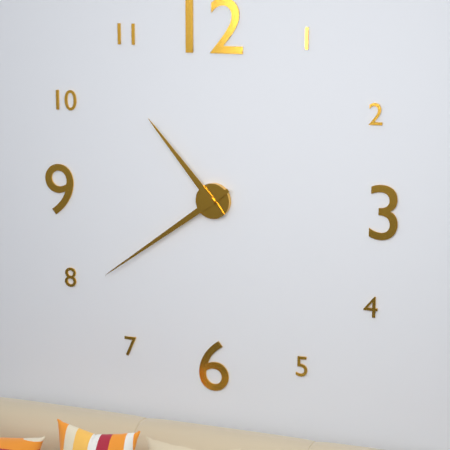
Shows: {"hour": 10, "minute": 39}
